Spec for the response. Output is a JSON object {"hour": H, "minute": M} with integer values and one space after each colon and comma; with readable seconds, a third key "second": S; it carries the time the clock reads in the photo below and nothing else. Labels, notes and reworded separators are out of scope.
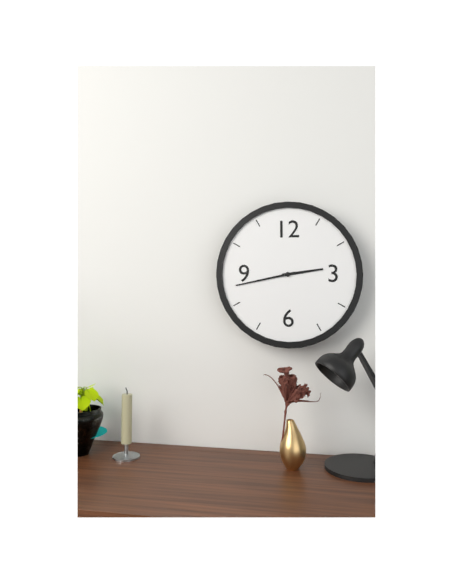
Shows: {"hour": 2, "minute": 43}
